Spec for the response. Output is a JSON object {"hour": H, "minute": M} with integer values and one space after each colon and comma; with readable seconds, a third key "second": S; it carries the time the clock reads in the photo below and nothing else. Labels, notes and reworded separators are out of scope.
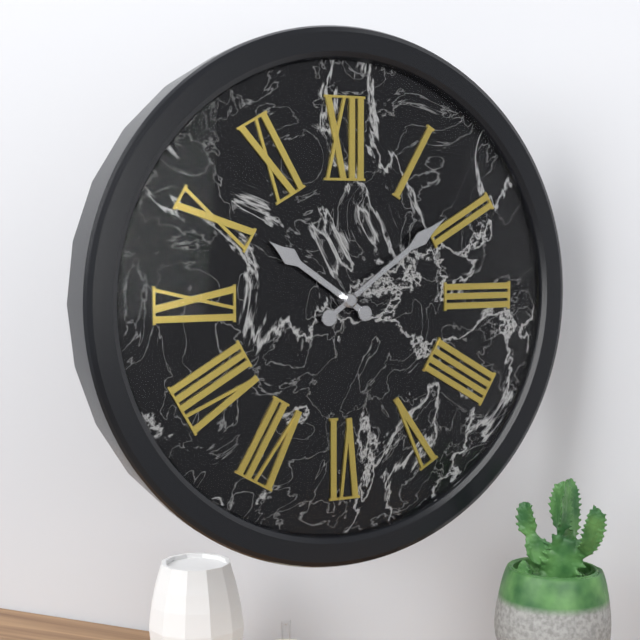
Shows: {"hour": 10, "minute": 9}
